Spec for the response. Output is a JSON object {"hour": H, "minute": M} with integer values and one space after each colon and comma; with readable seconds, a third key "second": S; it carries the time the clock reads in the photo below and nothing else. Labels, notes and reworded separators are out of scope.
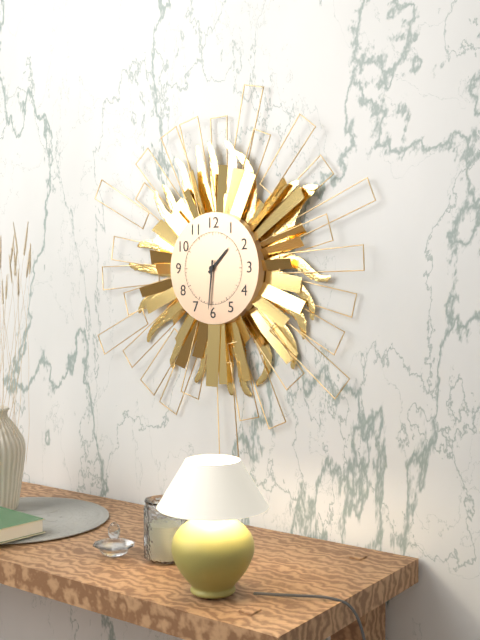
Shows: {"hour": 1, "minute": 31}
